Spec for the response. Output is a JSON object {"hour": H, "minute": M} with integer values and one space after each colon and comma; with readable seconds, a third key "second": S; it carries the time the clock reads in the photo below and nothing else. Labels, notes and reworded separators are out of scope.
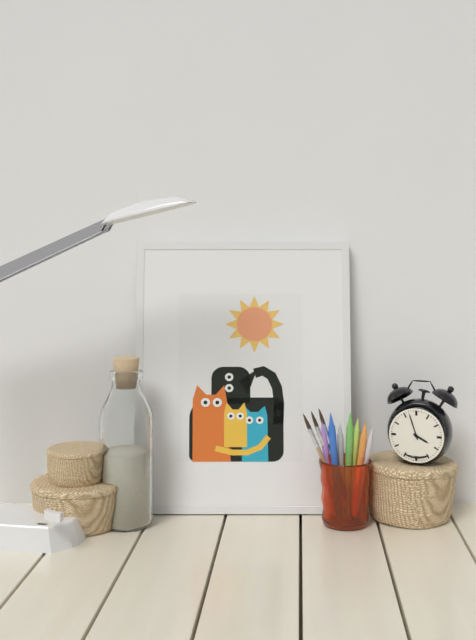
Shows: {"hour": 3, "minute": 57}
